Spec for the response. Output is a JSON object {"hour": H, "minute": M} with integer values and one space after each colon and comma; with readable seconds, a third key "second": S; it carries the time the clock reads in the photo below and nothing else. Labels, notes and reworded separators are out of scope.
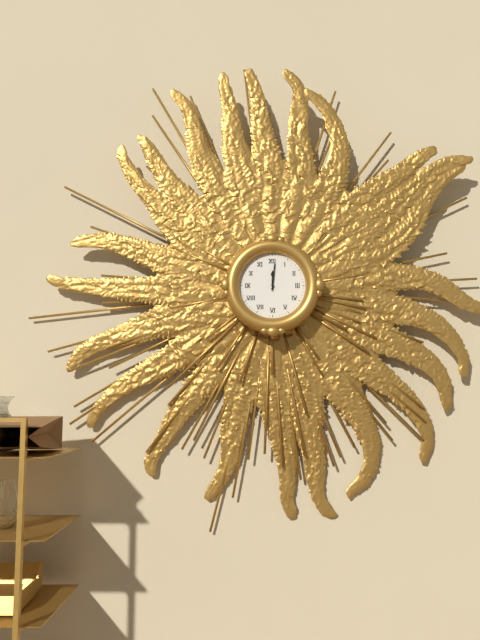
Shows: {"hour": 12, "minute": 1}
